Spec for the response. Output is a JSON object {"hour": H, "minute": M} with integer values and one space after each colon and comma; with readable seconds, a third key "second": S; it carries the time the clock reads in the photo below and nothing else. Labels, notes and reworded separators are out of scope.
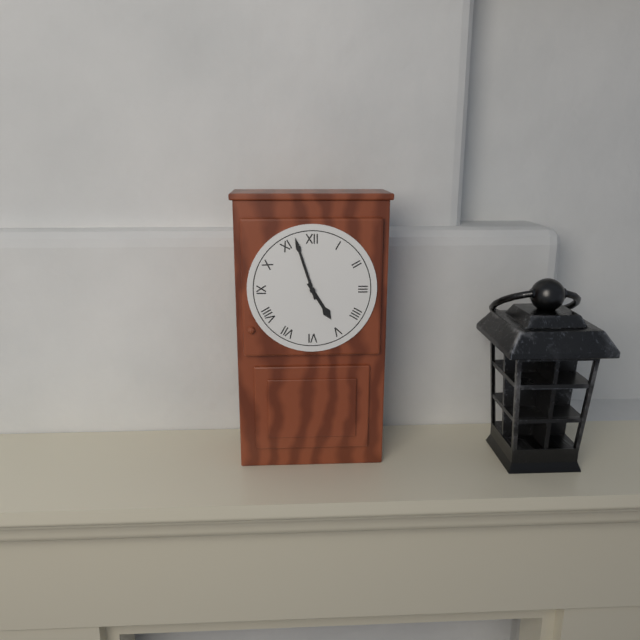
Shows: {"hour": 4, "minute": 57}
